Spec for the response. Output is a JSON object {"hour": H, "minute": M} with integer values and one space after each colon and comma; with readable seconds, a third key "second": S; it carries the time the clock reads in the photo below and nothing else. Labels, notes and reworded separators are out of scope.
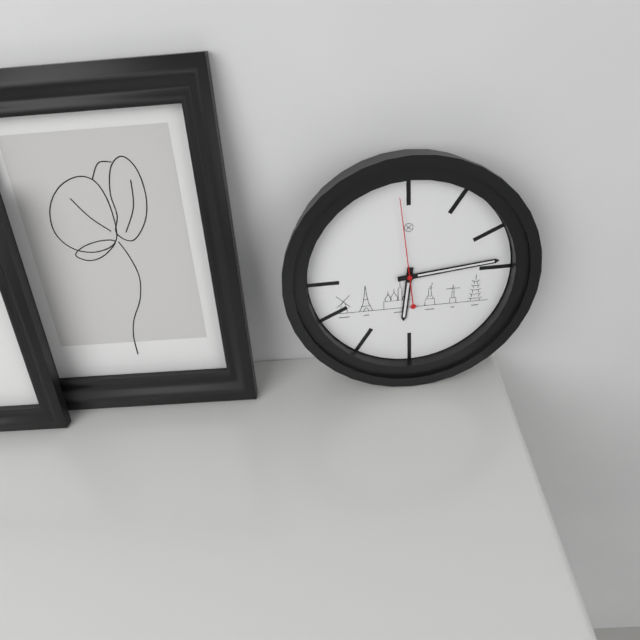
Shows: {"hour": 6, "minute": 14, "second": 59}
